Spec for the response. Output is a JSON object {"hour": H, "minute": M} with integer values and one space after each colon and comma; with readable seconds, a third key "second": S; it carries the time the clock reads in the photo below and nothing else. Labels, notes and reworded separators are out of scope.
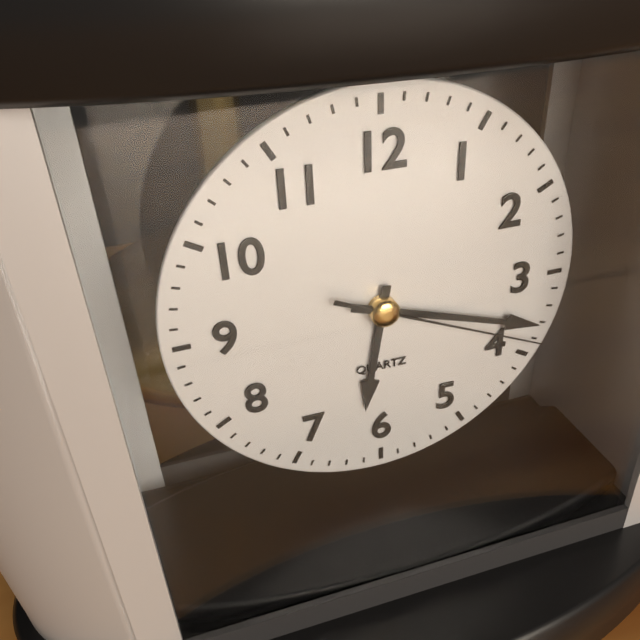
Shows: {"hour": 6, "minute": 18, "second": 19}
